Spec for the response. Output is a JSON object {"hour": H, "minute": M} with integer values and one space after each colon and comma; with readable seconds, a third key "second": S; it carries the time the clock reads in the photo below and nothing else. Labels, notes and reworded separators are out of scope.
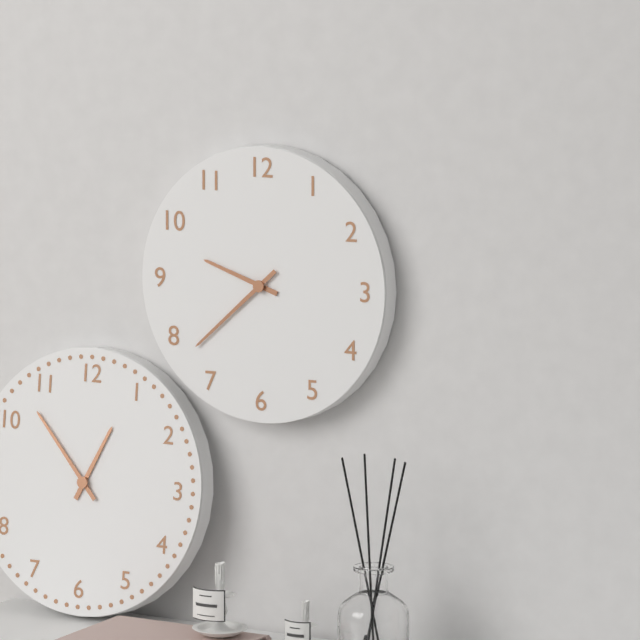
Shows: {"hour": 9, "minute": 38}
